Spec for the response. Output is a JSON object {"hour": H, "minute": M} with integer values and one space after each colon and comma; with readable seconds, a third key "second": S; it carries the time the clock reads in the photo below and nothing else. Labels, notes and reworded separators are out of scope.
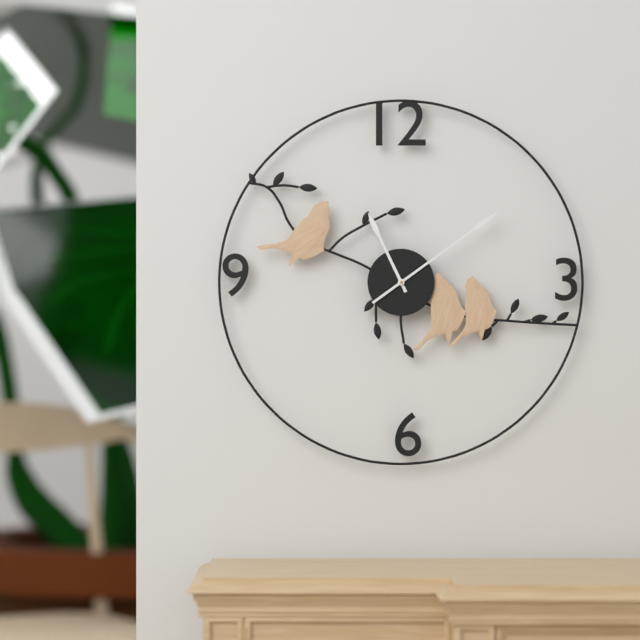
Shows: {"hour": 11, "minute": 9}
